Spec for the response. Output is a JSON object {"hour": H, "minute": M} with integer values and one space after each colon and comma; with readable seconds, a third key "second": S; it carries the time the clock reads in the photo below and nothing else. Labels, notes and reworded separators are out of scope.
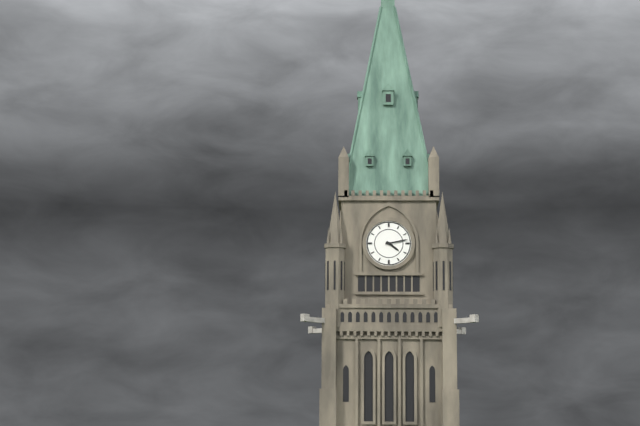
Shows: {"hour": 4, "minute": 13}
